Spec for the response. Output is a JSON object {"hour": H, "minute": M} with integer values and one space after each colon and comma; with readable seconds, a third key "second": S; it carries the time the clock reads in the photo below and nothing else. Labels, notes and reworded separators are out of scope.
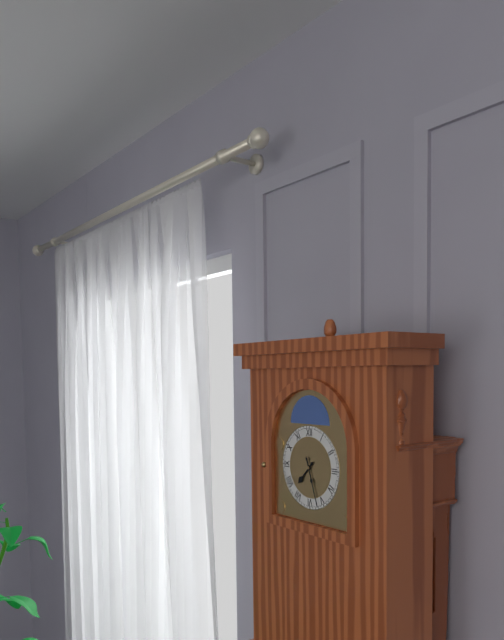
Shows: {"hour": 7, "minute": 27}
